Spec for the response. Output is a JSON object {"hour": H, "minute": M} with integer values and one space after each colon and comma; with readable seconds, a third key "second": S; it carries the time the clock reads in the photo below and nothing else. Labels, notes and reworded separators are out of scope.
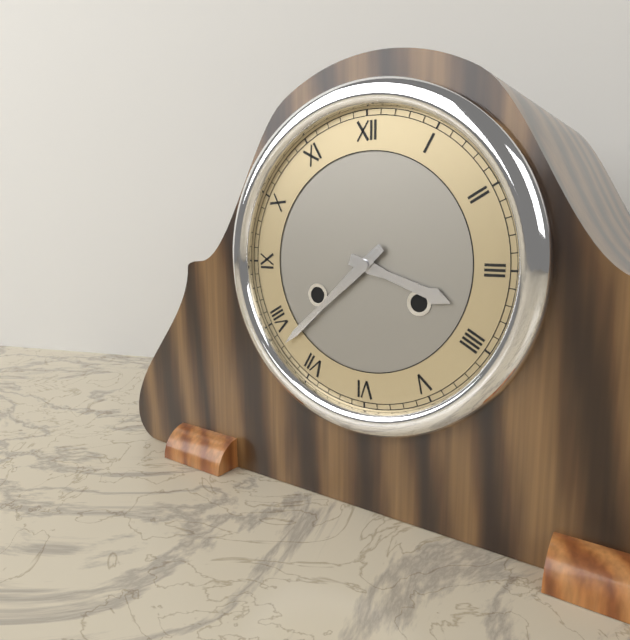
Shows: {"hour": 3, "minute": 38}
